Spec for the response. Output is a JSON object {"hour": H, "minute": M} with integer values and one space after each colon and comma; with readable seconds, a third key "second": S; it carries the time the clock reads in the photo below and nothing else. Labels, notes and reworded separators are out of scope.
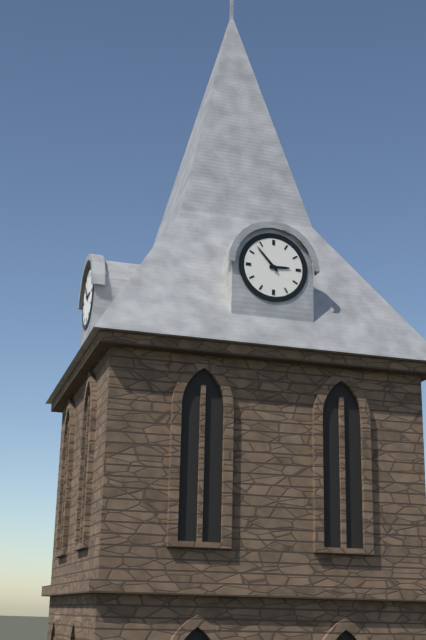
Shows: {"hour": 2, "minute": 53}
